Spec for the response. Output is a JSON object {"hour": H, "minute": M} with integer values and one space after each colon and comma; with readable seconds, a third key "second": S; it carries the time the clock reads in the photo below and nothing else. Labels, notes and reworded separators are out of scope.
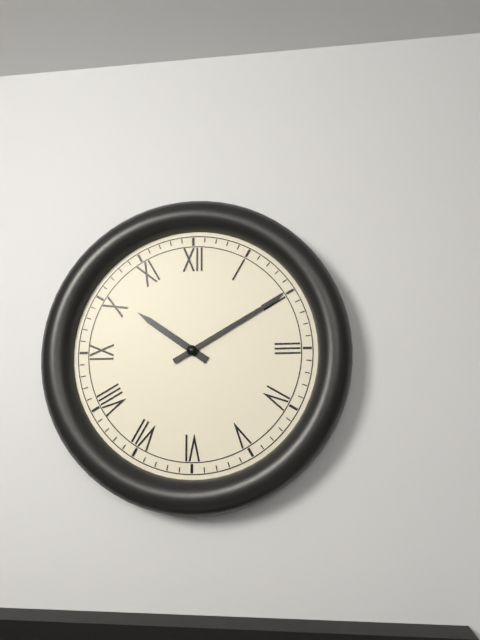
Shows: {"hour": 10, "minute": 10}
